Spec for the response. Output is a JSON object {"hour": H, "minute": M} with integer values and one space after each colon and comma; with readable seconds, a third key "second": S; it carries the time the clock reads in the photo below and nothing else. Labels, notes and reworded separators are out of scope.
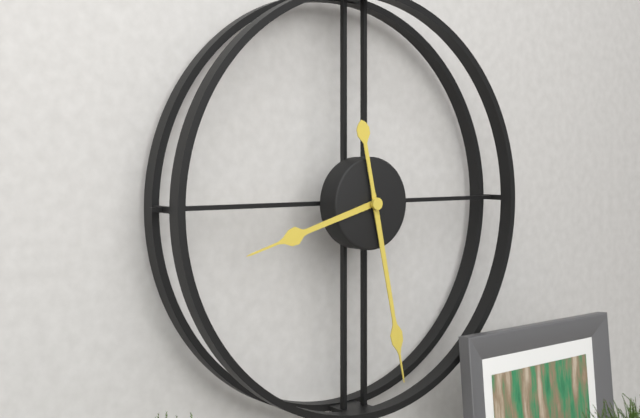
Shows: {"hour": 8, "minute": 28}
